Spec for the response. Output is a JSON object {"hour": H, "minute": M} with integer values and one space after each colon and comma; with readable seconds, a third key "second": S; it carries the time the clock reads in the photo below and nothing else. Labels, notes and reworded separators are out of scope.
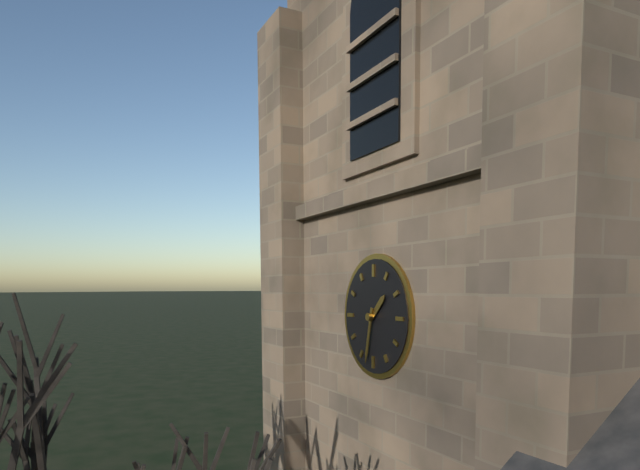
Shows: {"hour": 1, "minute": 32}
